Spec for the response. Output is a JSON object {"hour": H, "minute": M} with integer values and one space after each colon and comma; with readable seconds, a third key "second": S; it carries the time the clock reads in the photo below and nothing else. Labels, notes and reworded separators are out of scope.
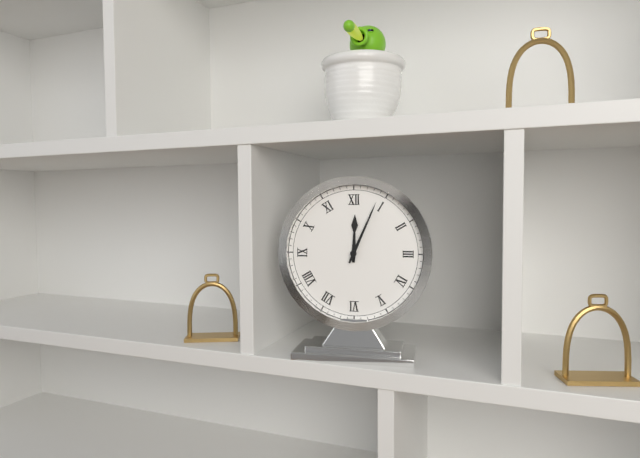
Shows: {"hour": 12, "minute": 4}
